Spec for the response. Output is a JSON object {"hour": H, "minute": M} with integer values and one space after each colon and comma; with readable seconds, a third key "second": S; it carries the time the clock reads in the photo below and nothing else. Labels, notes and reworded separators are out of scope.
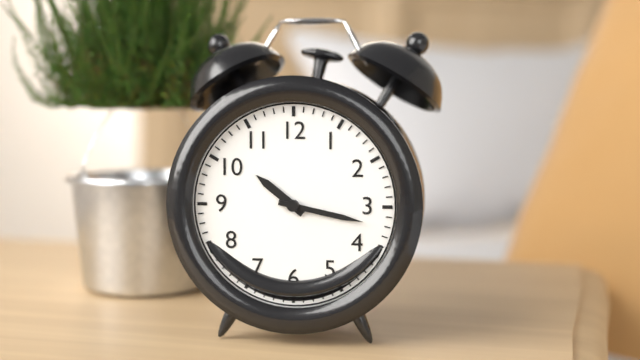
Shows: {"hour": 10, "minute": 17}
